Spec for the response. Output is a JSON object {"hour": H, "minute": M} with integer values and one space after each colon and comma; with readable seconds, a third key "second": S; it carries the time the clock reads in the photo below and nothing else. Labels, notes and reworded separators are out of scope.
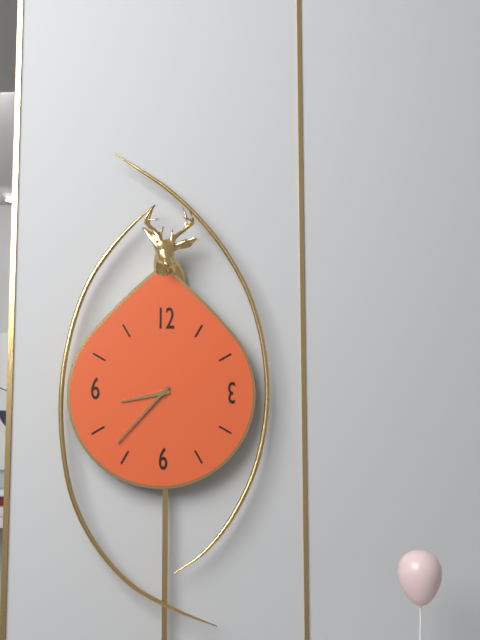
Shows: {"hour": 8, "minute": 37}
